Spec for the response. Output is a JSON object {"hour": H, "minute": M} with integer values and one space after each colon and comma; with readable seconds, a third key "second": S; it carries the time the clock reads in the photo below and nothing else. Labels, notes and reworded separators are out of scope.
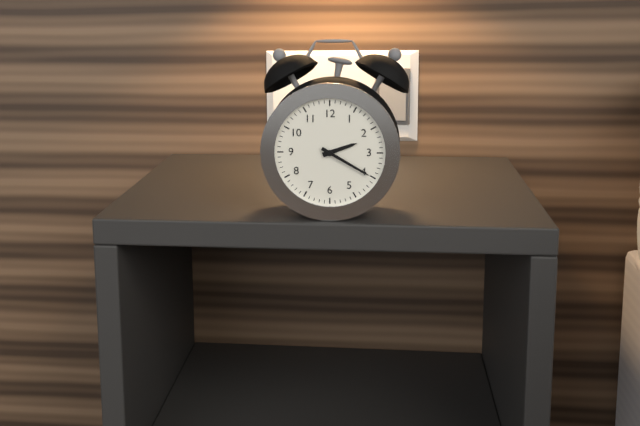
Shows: {"hour": 2, "minute": 20}
